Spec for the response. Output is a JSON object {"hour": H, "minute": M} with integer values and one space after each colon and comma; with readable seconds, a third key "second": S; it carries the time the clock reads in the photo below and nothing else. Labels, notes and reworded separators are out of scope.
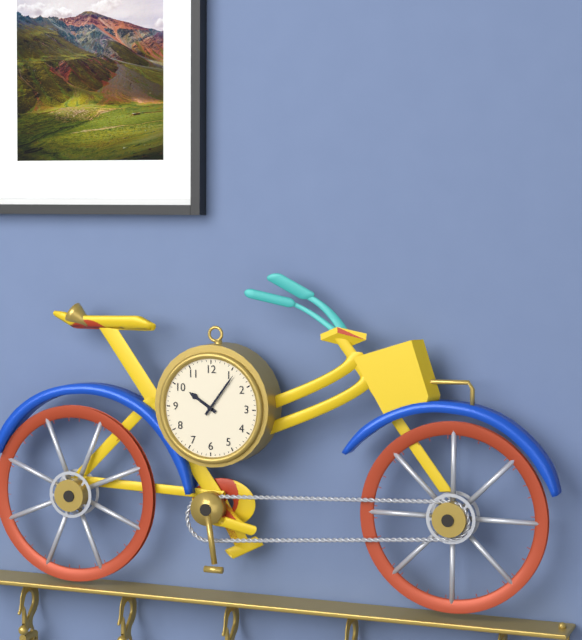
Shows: {"hour": 10, "minute": 6}
